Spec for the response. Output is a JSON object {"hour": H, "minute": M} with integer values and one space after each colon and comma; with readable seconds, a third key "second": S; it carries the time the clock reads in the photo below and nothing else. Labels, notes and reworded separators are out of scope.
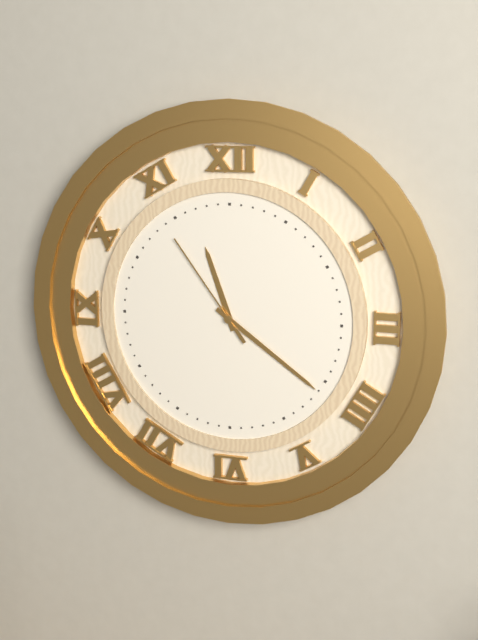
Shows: {"hour": 11, "minute": 21, "second": 54}
